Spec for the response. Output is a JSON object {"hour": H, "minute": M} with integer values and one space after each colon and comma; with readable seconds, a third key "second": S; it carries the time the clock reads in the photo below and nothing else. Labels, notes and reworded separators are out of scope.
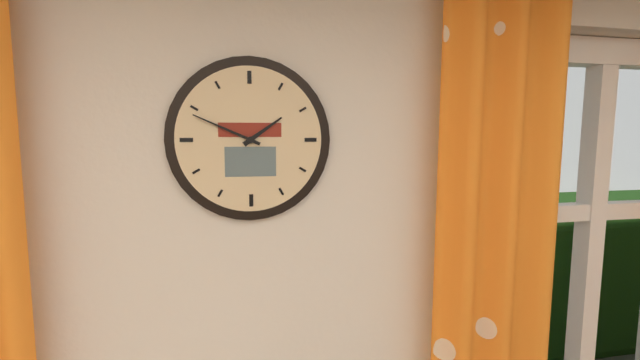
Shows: {"hour": 1, "minute": 49}
